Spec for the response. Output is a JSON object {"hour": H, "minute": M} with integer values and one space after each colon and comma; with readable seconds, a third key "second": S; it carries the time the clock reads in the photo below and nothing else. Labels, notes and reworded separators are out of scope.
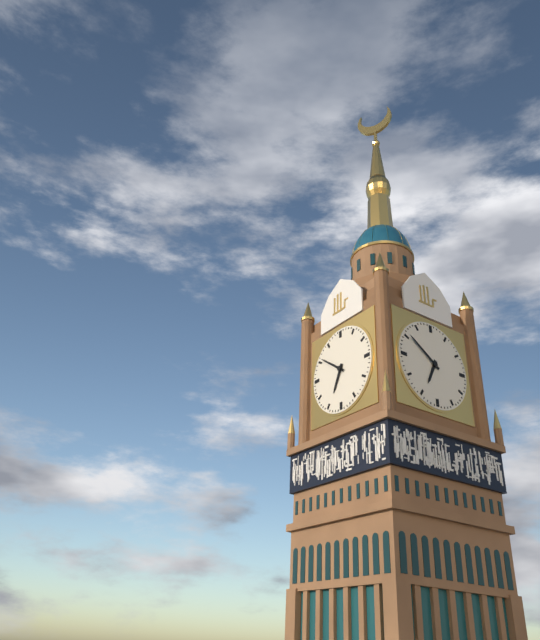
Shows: {"hour": 6, "minute": 51}
